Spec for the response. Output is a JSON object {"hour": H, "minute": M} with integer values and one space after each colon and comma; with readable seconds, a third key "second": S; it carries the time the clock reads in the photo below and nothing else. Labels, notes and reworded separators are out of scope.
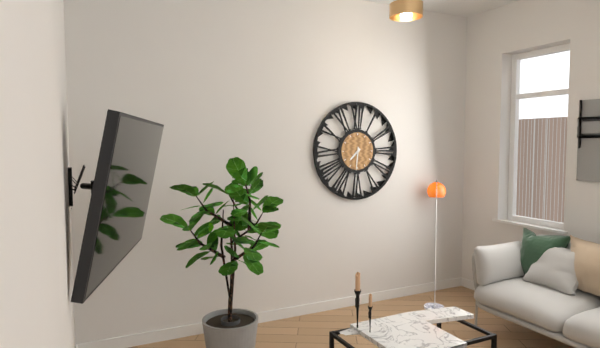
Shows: {"hour": 7, "minute": 31}
